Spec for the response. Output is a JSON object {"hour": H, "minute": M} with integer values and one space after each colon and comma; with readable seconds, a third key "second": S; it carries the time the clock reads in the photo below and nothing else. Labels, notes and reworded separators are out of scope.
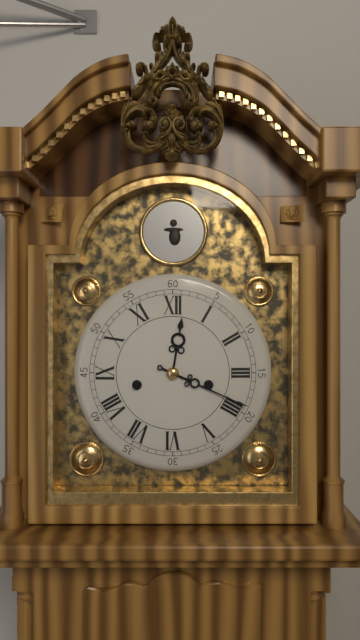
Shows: {"hour": 12, "minute": 19}
